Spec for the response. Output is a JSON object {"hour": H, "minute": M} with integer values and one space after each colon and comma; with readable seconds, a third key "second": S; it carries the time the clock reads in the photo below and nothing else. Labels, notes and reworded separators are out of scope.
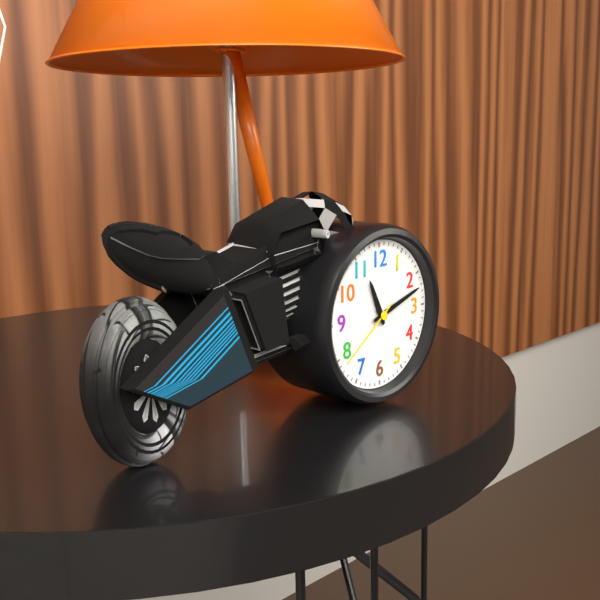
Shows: {"hour": 11, "minute": 12, "second": 39}
